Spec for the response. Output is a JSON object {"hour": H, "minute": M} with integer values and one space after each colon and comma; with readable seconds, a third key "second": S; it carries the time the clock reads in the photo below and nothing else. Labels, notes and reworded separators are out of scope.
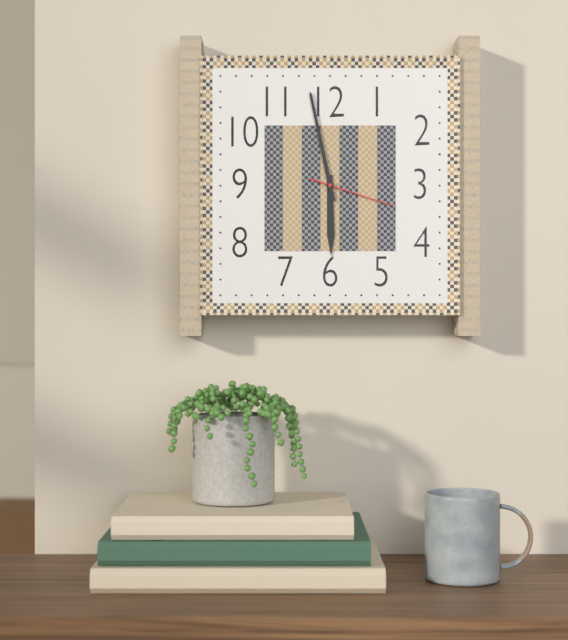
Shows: {"hour": 5, "minute": 58, "second": 18}
